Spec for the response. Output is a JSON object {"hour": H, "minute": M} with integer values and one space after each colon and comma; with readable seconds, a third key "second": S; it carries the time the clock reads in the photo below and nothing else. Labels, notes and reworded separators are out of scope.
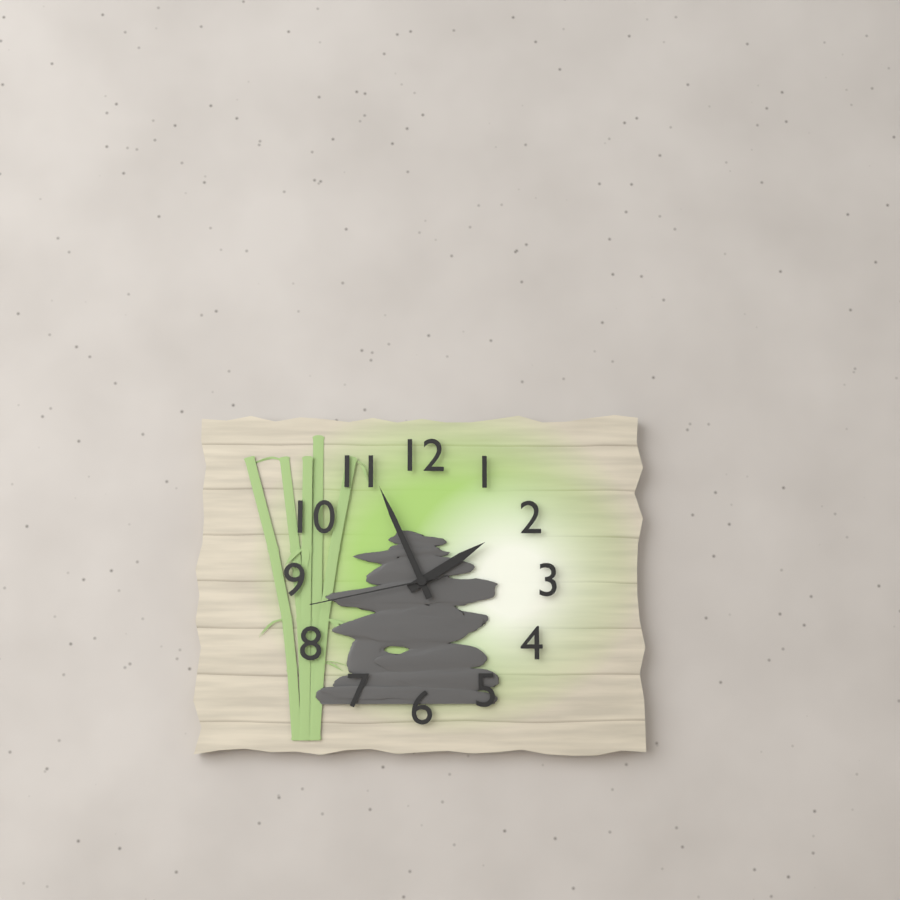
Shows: {"hour": 1, "minute": 56, "second": 43}
